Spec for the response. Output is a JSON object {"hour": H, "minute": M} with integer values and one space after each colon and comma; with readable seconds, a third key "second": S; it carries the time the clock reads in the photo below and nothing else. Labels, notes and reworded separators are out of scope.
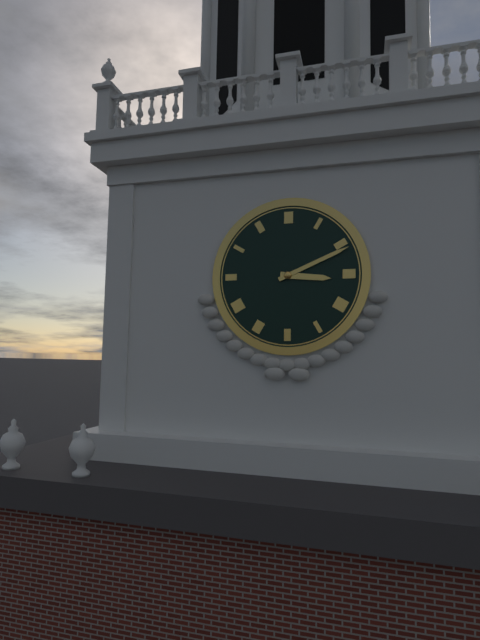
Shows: {"hour": 3, "minute": 11}
